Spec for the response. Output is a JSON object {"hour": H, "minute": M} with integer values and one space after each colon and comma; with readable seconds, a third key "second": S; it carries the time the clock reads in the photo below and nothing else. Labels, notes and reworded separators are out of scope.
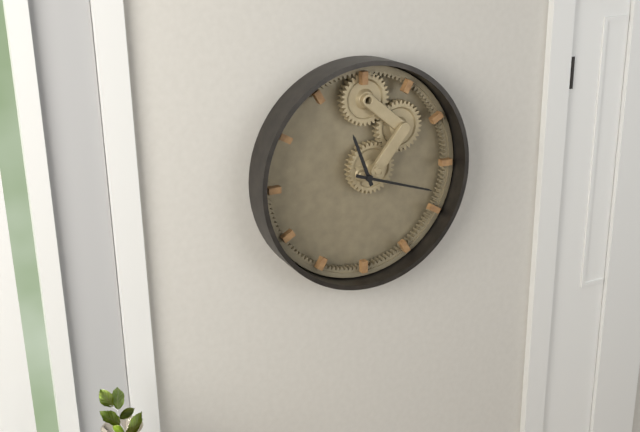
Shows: {"hour": 11, "minute": 18}
